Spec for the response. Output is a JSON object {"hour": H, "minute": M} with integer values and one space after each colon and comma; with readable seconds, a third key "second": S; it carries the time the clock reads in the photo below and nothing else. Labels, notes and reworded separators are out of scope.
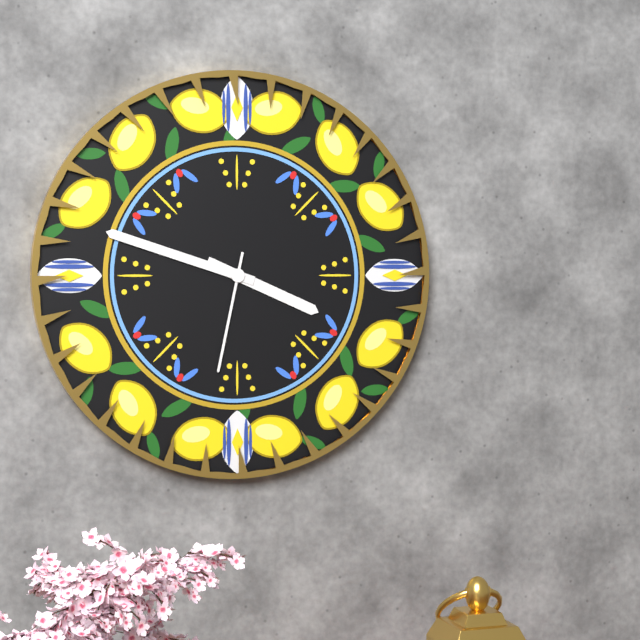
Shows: {"hour": 3, "minute": 48, "second": 32}
